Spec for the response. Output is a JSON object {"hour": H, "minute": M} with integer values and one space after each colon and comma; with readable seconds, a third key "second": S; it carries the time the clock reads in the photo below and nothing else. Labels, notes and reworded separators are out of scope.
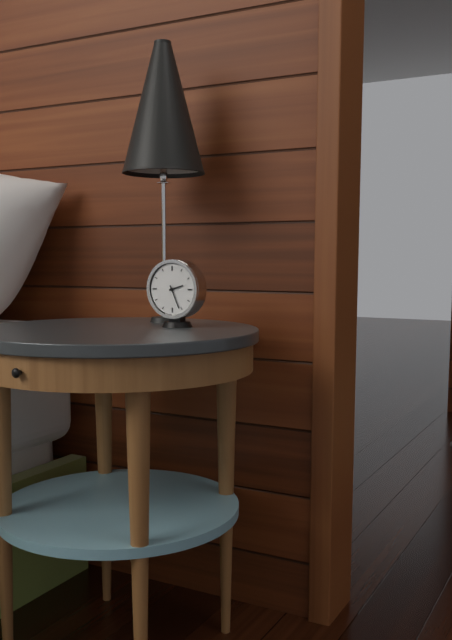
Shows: {"hour": 2, "minute": 26}
